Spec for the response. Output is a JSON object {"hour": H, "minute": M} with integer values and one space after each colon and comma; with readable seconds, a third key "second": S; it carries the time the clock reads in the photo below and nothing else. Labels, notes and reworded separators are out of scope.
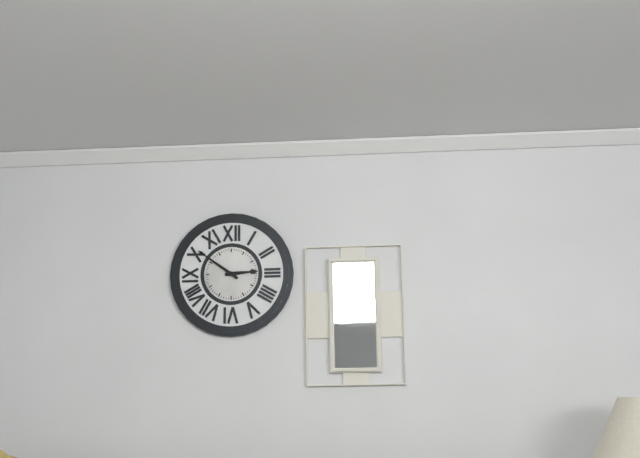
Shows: {"hour": 2, "minute": 51}
